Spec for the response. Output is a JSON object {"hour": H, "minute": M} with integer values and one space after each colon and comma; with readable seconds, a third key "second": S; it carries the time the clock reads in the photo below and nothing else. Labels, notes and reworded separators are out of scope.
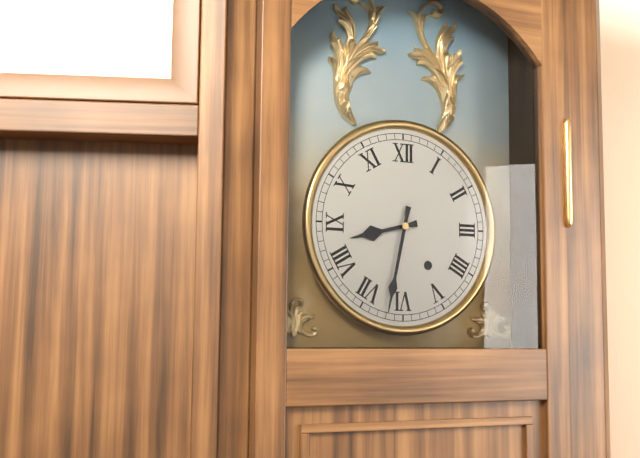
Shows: {"hour": 8, "minute": 32}
